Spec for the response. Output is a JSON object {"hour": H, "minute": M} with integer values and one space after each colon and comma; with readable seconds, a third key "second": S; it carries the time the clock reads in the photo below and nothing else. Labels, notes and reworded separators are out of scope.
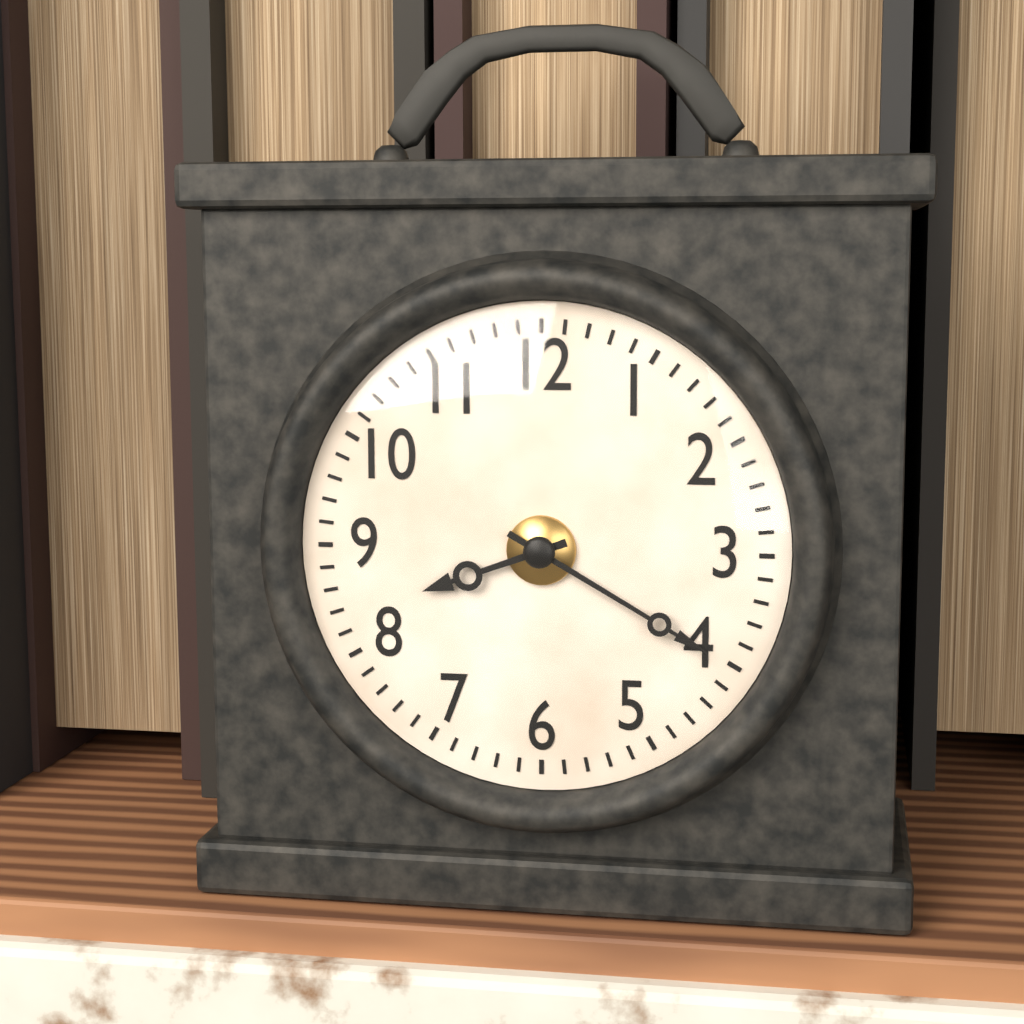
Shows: {"hour": 8, "minute": 20}
